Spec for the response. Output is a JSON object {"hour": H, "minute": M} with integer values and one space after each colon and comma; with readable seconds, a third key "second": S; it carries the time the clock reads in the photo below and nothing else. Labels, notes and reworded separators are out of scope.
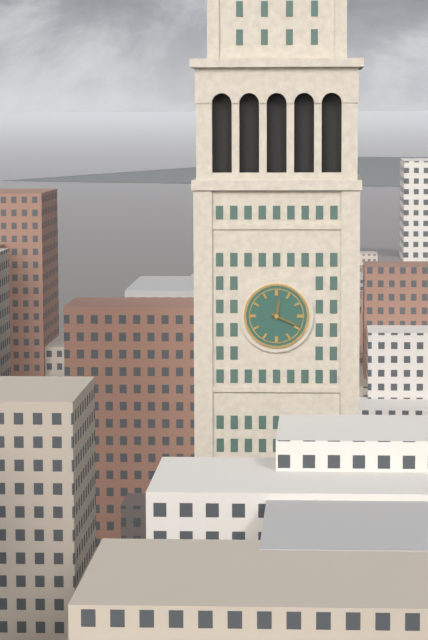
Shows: {"hour": 12, "minute": 19}
